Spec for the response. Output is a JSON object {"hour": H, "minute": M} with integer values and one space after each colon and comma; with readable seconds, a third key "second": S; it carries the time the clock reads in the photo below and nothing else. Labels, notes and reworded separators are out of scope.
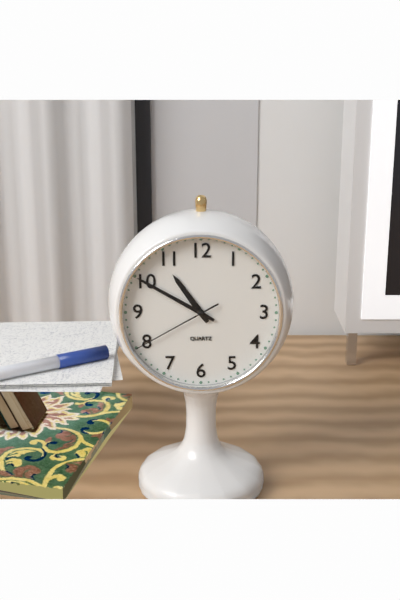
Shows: {"hour": 10, "minute": 50, "second": 40}
